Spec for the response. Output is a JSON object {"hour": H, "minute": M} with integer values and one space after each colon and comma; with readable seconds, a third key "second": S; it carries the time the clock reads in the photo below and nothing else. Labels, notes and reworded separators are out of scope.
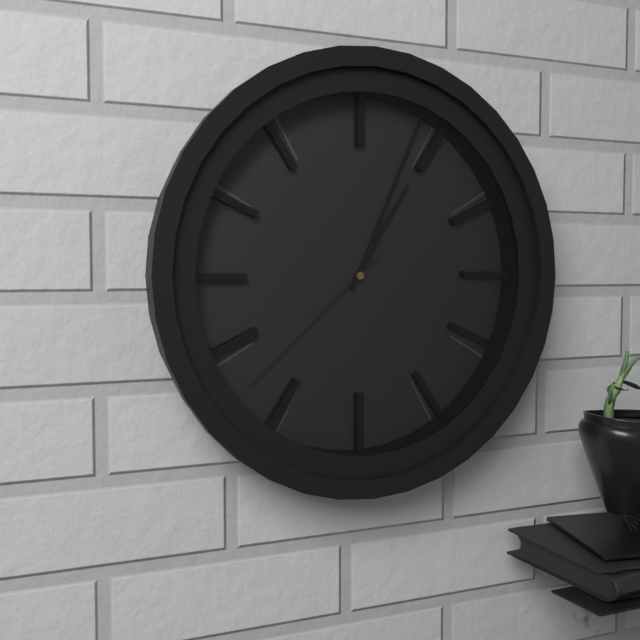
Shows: {"hour": 1, "minute": 4, "second": 38}
